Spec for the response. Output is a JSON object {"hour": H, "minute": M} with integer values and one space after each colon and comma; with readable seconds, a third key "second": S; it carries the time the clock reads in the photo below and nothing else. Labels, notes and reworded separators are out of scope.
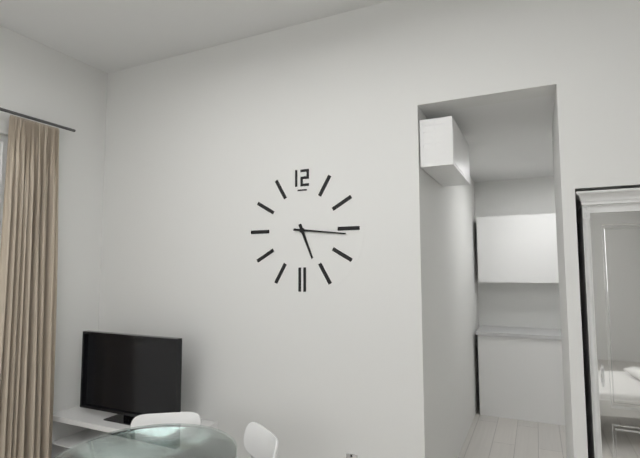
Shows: {"hour": 5, "minute": 16}
